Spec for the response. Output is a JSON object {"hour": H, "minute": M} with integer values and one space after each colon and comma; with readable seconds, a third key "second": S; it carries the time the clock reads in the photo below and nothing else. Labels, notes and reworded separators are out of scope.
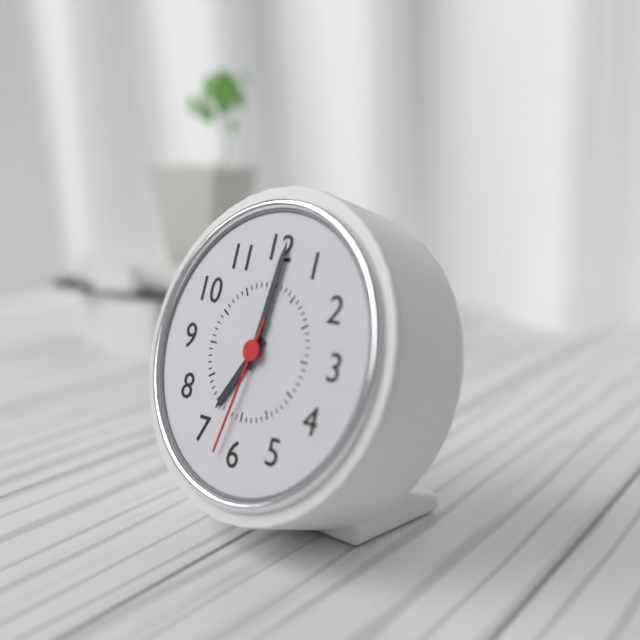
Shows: {"hour": 7, "minute": 1, "second": 32}
